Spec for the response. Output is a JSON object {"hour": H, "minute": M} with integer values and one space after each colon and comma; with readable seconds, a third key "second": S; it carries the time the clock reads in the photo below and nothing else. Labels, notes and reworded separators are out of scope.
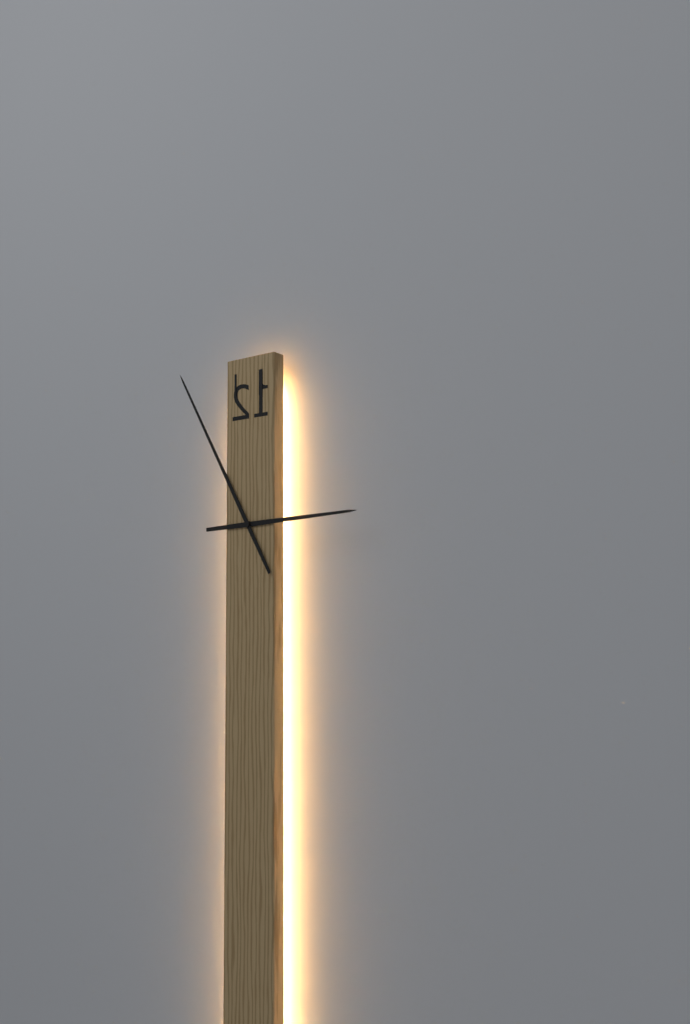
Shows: {"hour": 2, "minute": 55}
